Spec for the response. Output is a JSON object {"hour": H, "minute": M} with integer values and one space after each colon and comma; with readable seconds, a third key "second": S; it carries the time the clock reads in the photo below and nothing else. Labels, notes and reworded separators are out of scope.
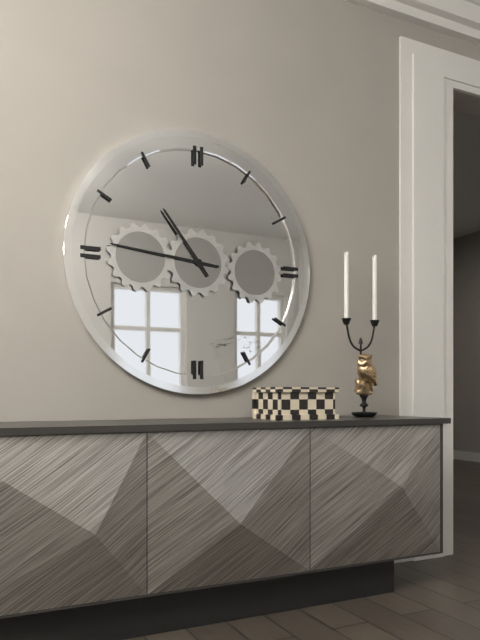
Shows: {"hour": 10, "minute": 46}
